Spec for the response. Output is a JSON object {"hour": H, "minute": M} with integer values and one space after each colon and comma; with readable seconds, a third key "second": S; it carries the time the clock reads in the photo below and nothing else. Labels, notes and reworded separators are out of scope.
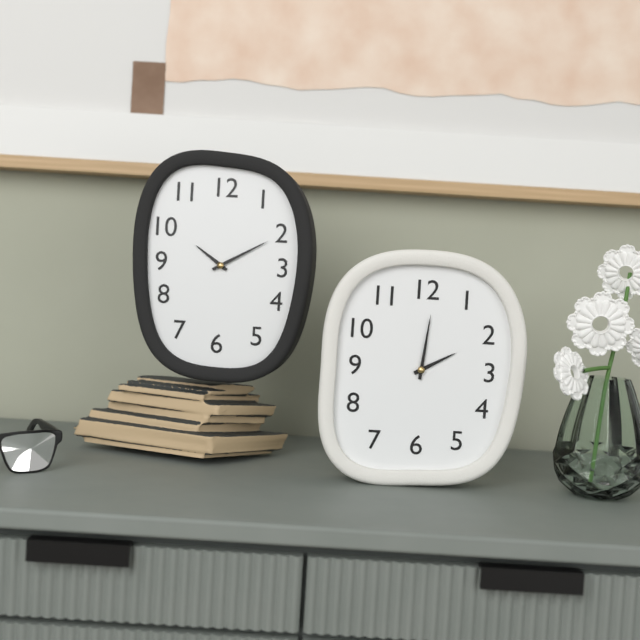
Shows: {"hour": 2, "minute": 1}
